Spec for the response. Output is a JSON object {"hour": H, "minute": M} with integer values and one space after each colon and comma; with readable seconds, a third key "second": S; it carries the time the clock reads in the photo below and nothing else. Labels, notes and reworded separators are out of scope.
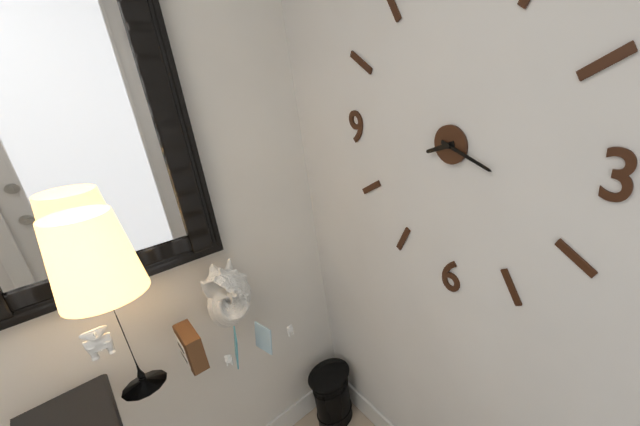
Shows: {"hour": 8, "minute": 18}
